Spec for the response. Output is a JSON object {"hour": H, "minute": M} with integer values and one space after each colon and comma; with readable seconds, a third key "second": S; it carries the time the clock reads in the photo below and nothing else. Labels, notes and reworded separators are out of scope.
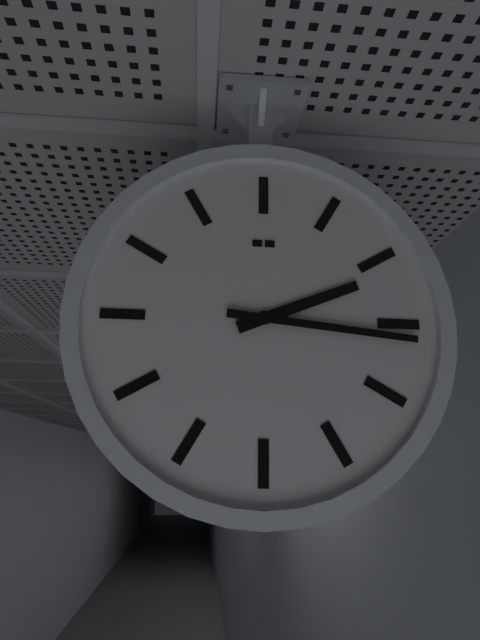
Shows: {"hour": 2, "minute": 16}
